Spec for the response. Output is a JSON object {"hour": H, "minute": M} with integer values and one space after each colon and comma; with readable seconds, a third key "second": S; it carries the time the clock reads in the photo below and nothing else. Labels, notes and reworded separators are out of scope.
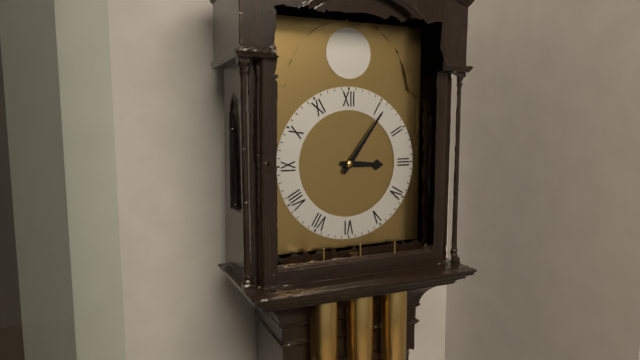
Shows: {"hour": 3, "minute": 6}
